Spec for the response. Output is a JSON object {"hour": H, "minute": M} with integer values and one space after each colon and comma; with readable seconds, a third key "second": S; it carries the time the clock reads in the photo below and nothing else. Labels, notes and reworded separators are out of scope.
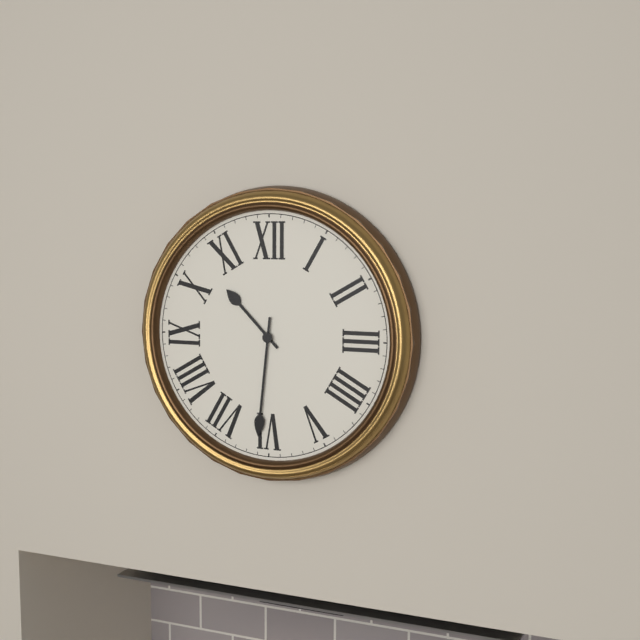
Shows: {"hour": 10, "minute": 31}
